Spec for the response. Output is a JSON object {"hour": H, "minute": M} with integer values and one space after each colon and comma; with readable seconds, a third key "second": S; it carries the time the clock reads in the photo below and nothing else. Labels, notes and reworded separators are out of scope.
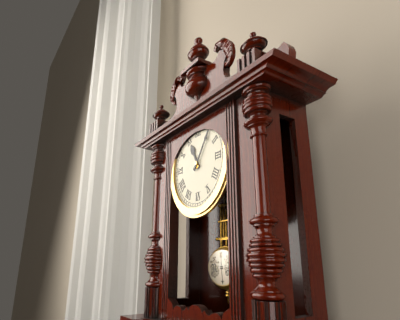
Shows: {"hour": 11, "minute": 6}
